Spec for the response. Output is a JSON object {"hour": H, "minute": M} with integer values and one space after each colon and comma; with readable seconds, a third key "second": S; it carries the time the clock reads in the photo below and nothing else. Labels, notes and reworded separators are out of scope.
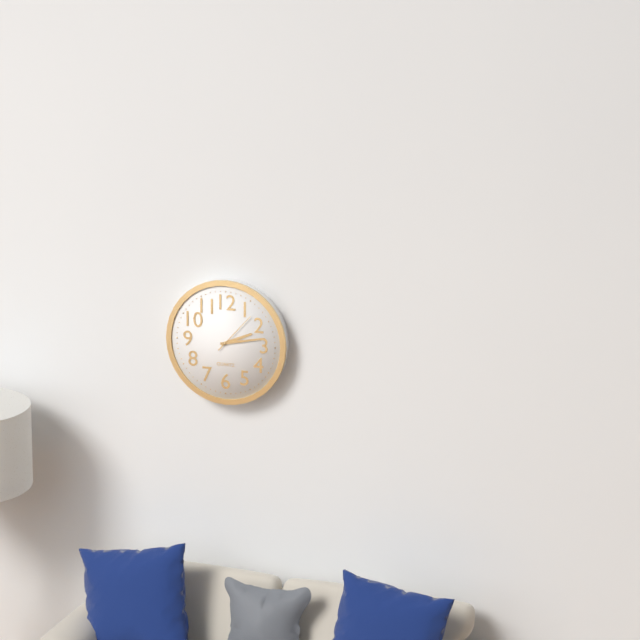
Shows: {"hour": 2, "minute": 13}
